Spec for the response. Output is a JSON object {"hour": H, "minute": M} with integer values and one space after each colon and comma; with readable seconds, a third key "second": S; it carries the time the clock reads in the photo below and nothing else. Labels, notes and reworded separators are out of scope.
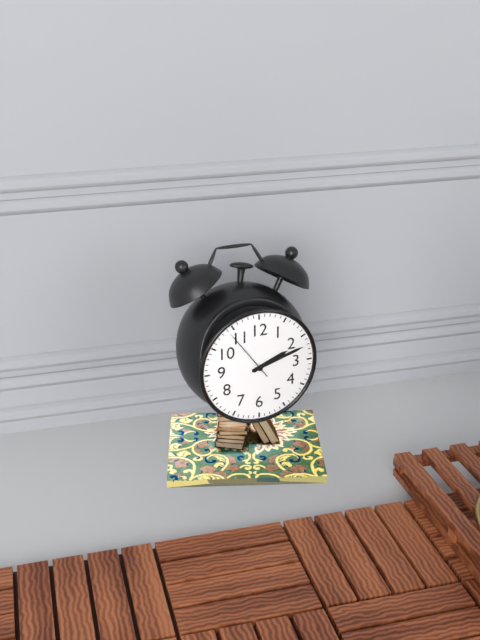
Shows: {"hour": 2, "minute": 12, "second": 54}
